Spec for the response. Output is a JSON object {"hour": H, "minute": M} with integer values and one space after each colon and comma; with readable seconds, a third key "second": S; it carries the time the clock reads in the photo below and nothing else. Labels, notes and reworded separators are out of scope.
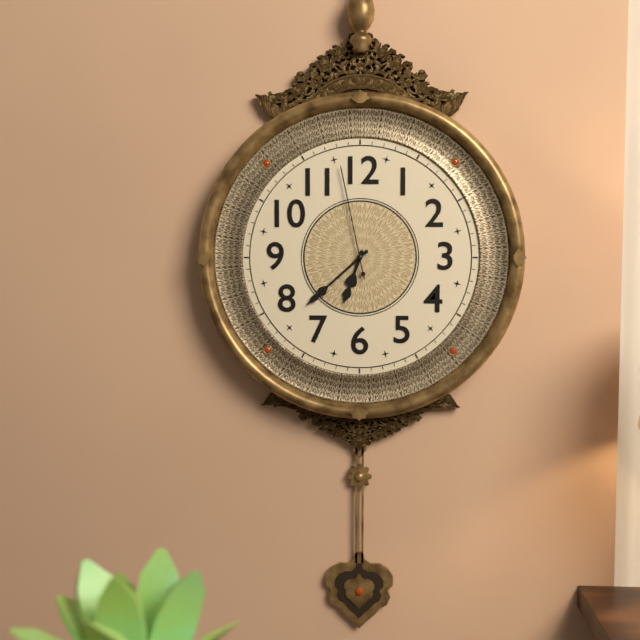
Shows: {"hour": 6, "minute": 38, "second": 58}
